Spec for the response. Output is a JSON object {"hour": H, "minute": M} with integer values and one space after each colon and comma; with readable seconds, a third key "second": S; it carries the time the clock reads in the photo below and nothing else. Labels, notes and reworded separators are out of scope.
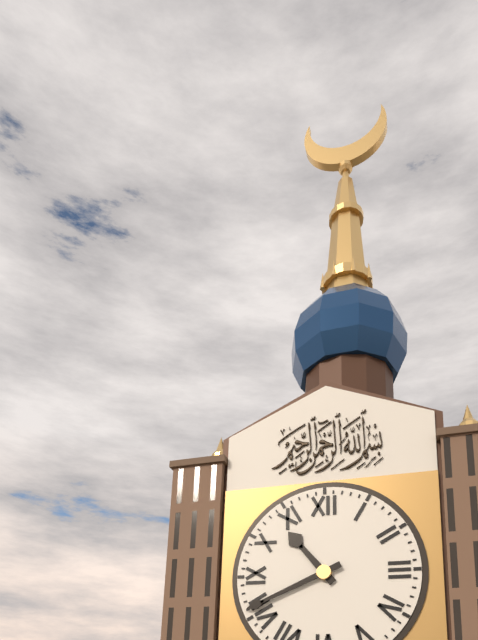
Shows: {"hour": 10, "minute": 41}
